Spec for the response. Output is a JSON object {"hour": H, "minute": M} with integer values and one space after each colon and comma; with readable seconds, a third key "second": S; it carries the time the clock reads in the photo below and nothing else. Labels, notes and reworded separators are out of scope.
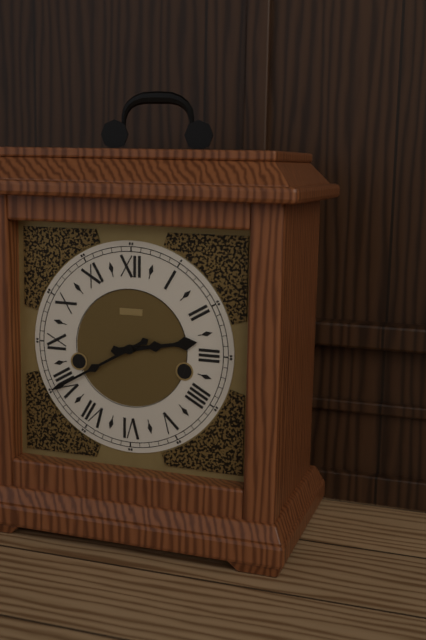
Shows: {"hour": 2, "minute": 40}
